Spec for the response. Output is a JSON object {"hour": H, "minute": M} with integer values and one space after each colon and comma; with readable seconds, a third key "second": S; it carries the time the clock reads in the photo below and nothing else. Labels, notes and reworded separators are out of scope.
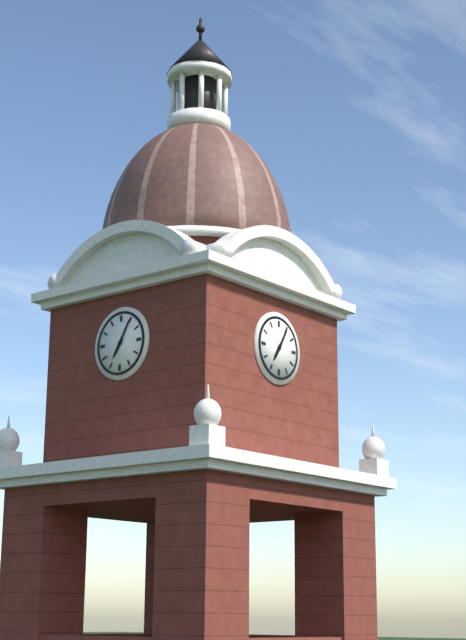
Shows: {"hour": 7, "minute": 5}
